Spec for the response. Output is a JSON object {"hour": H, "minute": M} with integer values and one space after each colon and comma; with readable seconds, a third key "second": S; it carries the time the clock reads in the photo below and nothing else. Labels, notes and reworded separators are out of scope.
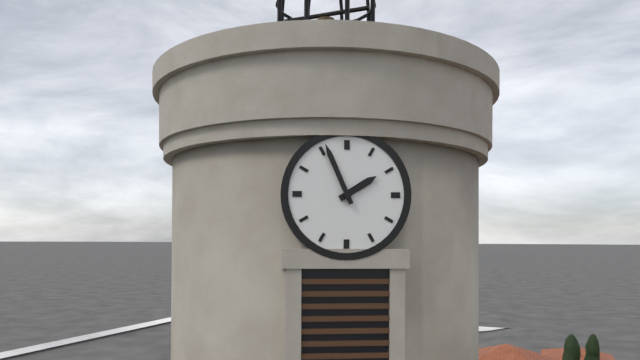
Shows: {"hour": 1, "minute": 56}
